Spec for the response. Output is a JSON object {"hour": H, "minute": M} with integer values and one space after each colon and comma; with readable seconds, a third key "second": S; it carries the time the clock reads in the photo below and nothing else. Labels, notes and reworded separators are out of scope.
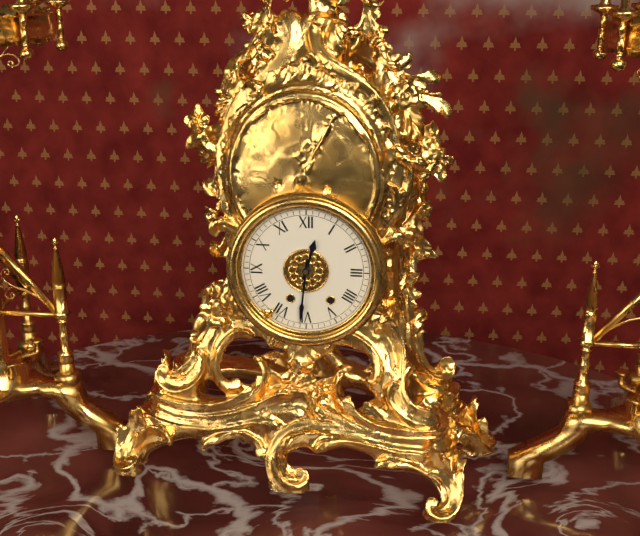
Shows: {"hour": 12, "minute": 31}
